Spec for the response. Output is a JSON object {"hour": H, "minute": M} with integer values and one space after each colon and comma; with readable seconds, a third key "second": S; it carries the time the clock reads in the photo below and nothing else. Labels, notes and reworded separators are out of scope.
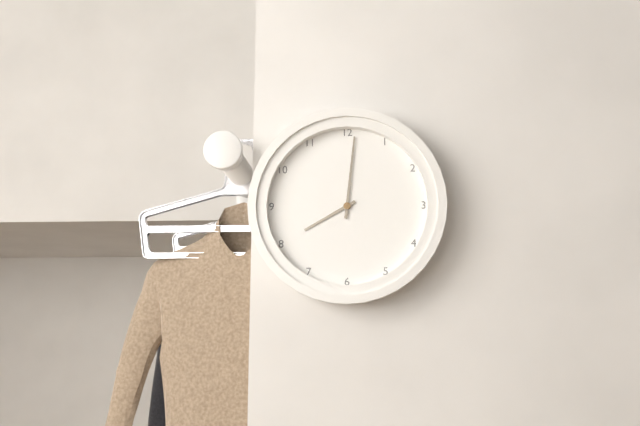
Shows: {"hour": 8, "minute": 1}
